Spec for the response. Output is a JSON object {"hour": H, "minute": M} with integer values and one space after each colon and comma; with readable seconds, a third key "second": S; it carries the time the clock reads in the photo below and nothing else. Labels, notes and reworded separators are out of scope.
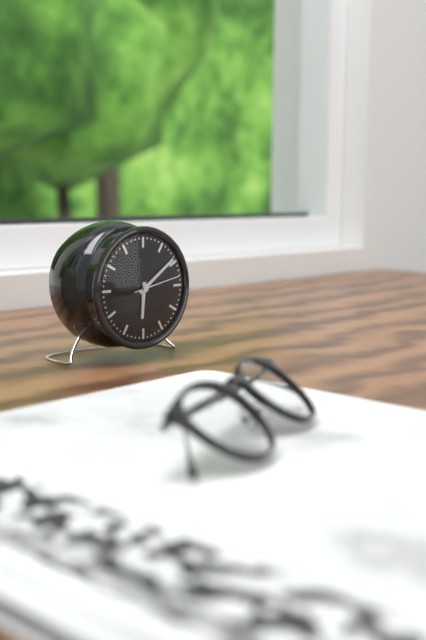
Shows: {"hour": 6, "minute": 9}
